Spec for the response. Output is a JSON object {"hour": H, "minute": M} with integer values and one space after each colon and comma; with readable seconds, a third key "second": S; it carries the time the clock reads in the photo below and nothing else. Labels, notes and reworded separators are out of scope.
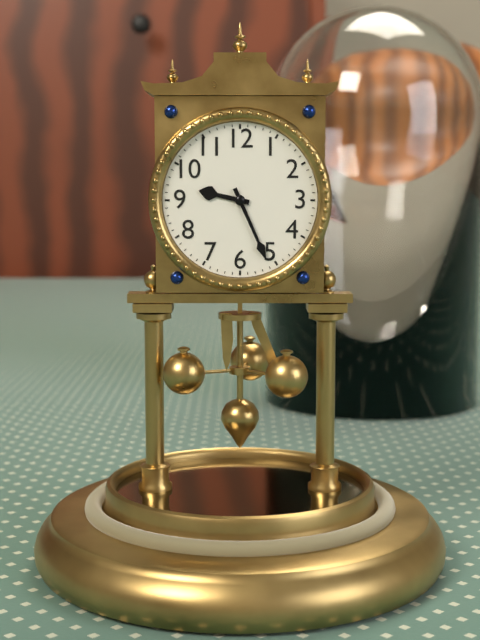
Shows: {"hour": 9, "minute": 26}
